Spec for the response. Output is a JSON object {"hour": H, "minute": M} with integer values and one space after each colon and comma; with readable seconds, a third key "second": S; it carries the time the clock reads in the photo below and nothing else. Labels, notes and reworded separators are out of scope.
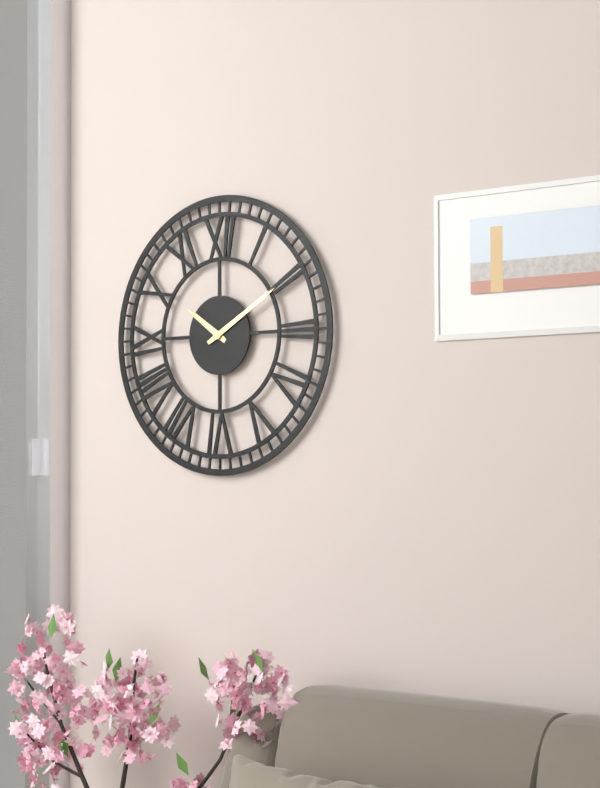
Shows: {"hour": 10, "minute": 10}
